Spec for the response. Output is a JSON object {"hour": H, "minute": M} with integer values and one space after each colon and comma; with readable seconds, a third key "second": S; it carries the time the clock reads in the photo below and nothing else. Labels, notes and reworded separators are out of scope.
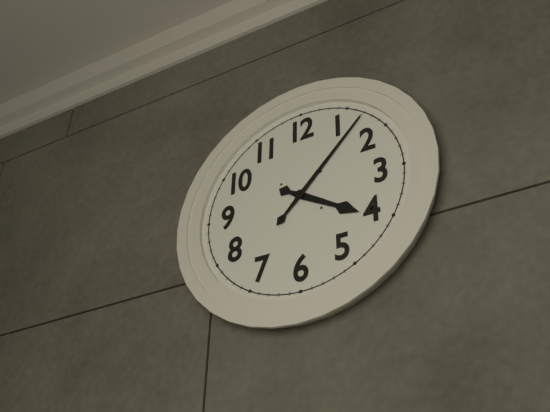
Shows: {"hour": 4, "minute": 7}
